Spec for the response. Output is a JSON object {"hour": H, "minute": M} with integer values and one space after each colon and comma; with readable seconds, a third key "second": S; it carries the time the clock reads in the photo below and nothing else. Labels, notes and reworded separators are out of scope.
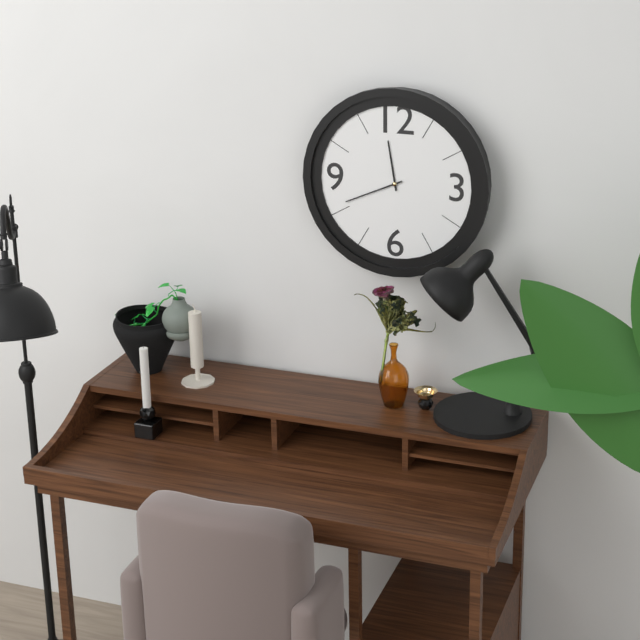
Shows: {"hour": 11, "minute": 41}
